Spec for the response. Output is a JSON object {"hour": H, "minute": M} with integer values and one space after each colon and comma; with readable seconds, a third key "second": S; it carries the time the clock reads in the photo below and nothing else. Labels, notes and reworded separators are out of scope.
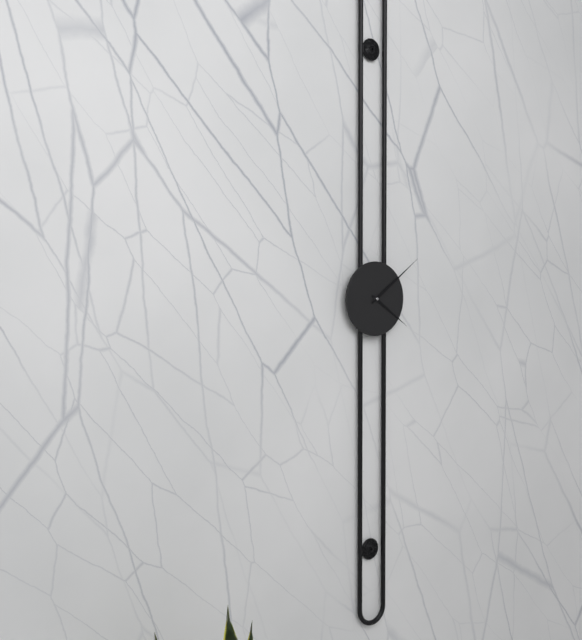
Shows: {"hour": 4, "minute": 9}
